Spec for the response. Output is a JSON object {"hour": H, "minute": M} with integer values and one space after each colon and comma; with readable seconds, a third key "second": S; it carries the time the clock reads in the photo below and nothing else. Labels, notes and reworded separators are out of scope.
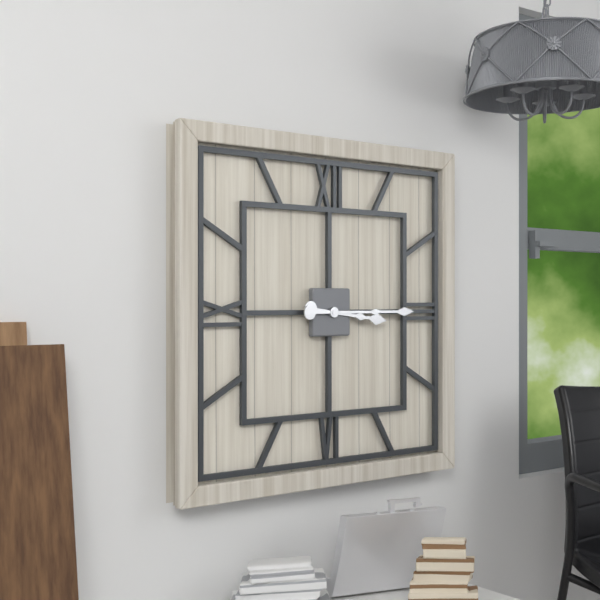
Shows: {"hour": 3, "minute": 15}
